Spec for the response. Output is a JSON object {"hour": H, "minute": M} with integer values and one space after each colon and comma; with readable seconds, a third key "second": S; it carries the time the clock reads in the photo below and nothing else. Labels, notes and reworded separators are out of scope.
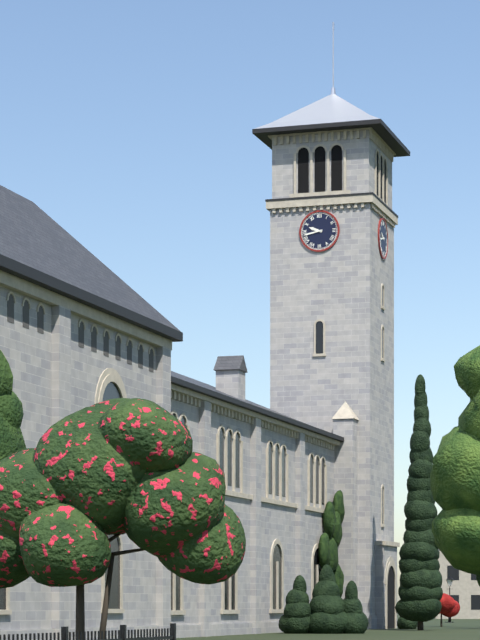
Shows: {"hour": 9, "minute": 43}
